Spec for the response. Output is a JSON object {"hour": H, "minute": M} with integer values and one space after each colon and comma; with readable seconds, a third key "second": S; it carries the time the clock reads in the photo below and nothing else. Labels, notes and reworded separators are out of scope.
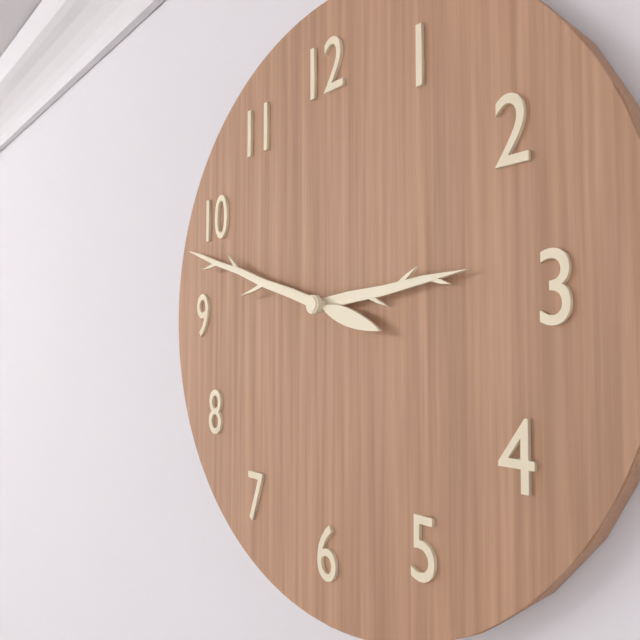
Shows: {"hour": 2, "minute": 48}
